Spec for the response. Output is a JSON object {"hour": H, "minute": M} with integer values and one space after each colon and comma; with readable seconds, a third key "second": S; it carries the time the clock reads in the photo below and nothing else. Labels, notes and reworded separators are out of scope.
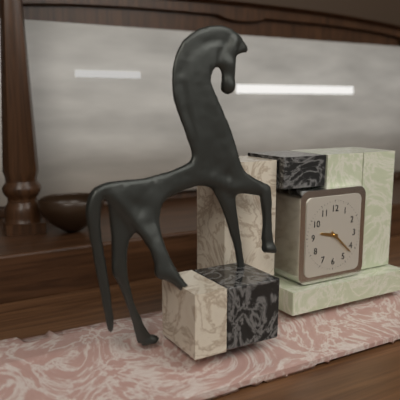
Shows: {"hour": 9, "minute": 22}
